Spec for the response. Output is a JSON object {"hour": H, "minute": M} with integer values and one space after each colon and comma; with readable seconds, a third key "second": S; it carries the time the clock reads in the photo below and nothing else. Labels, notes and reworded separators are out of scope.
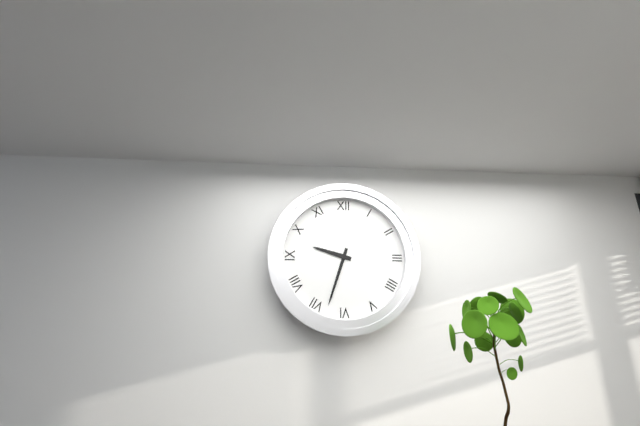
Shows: {"hour": 9, "minute": 33}
